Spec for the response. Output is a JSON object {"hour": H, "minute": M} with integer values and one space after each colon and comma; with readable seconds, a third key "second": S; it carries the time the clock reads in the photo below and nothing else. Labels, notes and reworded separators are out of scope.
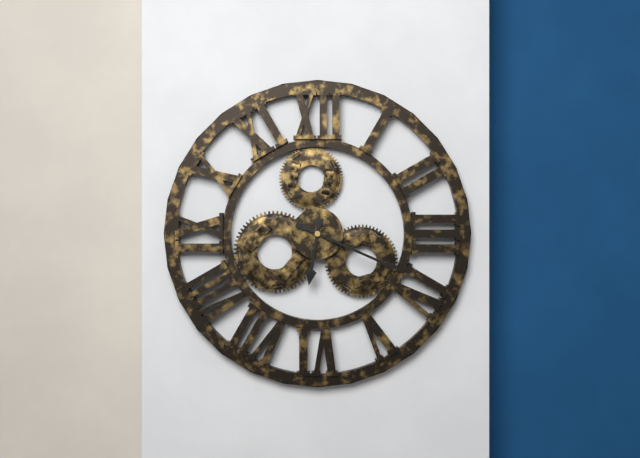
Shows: {"hour": 6, "minute": 19}
